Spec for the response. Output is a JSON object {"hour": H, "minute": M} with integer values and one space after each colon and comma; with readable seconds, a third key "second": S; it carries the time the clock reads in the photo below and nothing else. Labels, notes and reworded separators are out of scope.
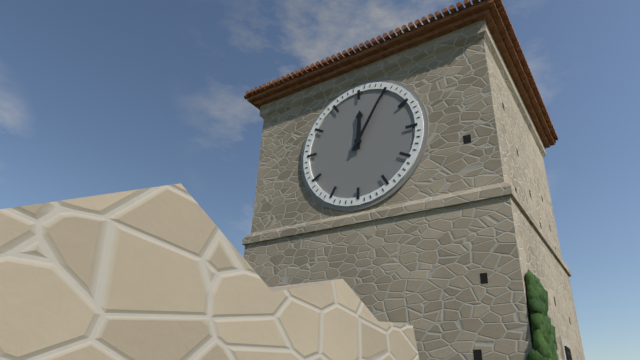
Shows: {"hour": 12, "minute": 5}
